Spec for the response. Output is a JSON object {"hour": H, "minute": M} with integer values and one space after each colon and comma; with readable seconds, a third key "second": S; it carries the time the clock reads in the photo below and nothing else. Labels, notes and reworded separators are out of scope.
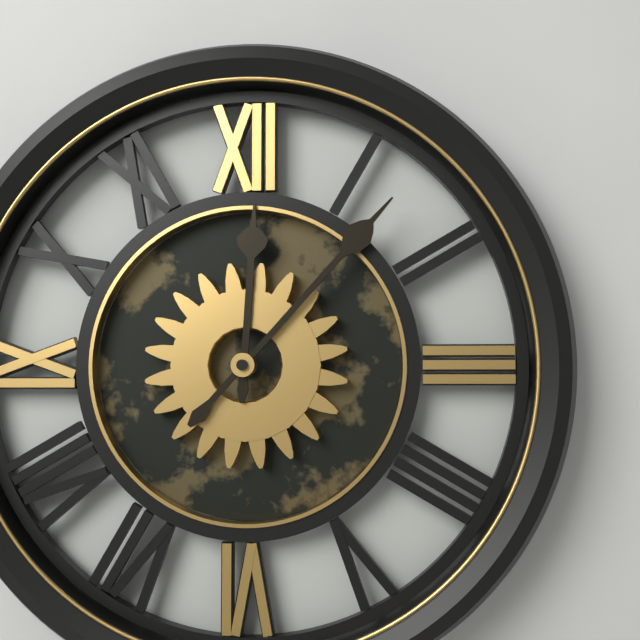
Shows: {"hour": 12, "minute": 7}
